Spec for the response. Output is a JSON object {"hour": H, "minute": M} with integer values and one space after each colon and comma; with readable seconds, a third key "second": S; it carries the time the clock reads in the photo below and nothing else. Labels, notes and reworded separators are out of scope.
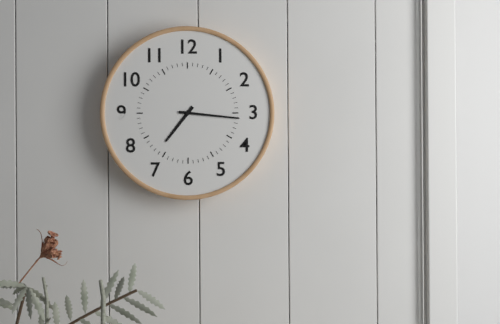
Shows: {"hour": 7, "minute": 16}
